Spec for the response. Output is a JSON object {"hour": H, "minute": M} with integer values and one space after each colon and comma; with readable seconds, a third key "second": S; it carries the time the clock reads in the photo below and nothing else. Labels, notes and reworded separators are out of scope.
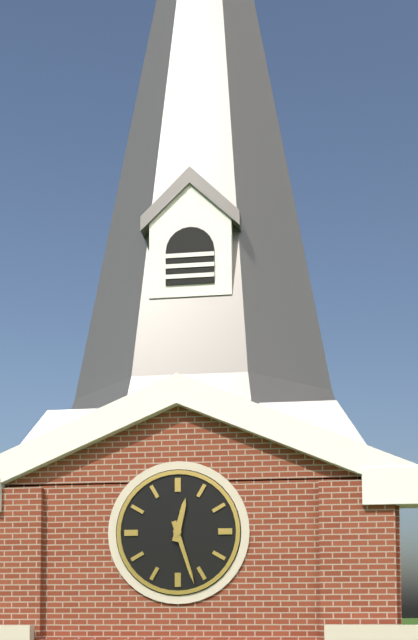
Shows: {"hour": 12, "minute": 27}
